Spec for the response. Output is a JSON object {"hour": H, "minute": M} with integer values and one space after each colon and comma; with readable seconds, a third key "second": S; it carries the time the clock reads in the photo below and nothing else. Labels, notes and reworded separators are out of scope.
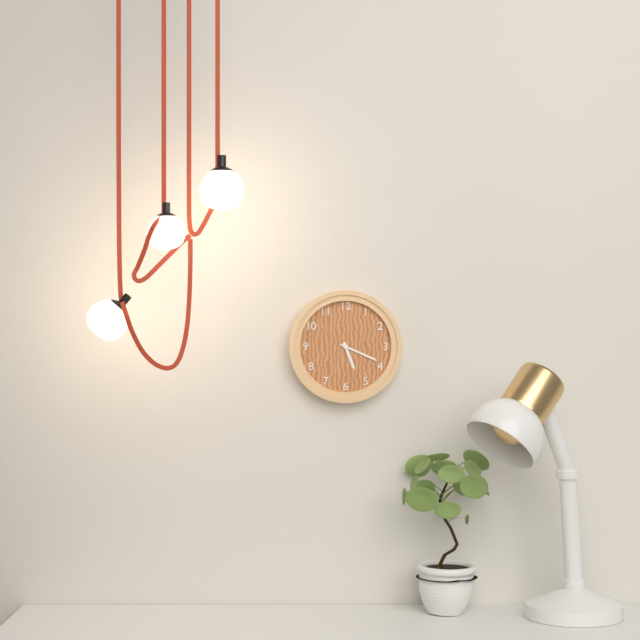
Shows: {"hour": 5, "minute": 19}
